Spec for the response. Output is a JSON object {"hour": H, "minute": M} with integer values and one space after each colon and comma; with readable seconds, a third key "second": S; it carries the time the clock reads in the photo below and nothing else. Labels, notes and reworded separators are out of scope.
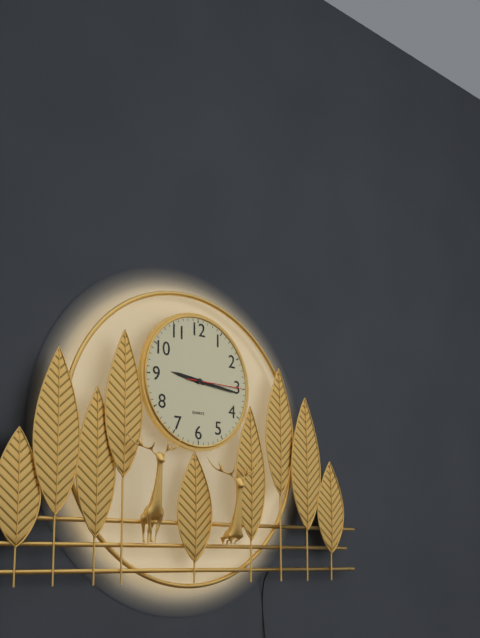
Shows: {"hour": 9, "minute": 16, "second": 15}
